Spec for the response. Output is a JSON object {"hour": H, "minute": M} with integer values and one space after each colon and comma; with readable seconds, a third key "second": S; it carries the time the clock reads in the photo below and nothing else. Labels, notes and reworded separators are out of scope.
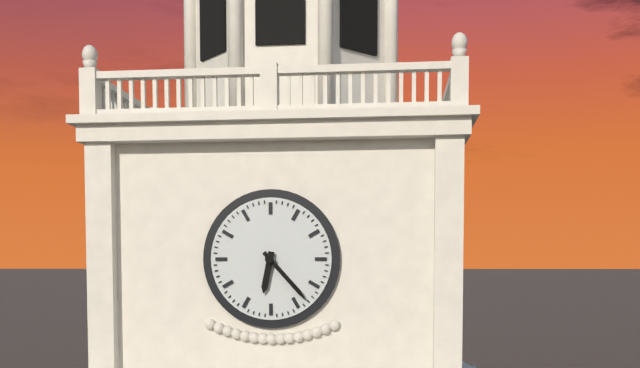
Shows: {"hour": 6, "minute": 23}
